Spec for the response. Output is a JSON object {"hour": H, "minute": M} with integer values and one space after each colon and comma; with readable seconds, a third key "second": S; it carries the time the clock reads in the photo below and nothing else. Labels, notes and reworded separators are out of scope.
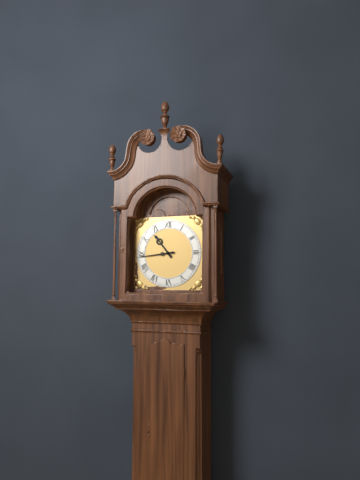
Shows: {"hour": 10, "minute": 44}
